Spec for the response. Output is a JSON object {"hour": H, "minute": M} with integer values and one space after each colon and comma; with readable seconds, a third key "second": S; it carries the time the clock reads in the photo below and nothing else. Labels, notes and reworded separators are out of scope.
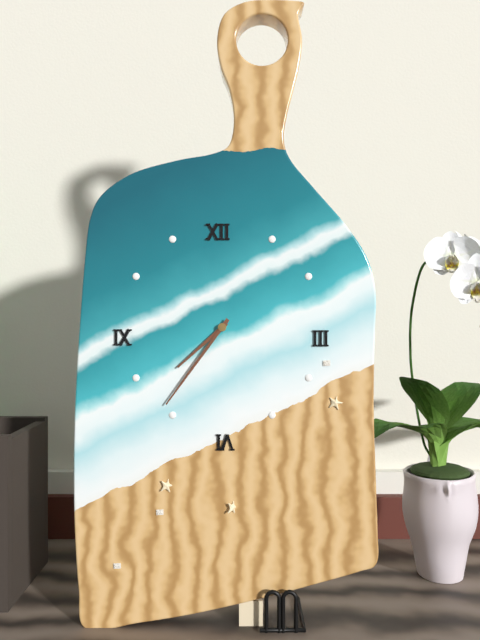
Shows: {"hour": 7, "minute": 36}
